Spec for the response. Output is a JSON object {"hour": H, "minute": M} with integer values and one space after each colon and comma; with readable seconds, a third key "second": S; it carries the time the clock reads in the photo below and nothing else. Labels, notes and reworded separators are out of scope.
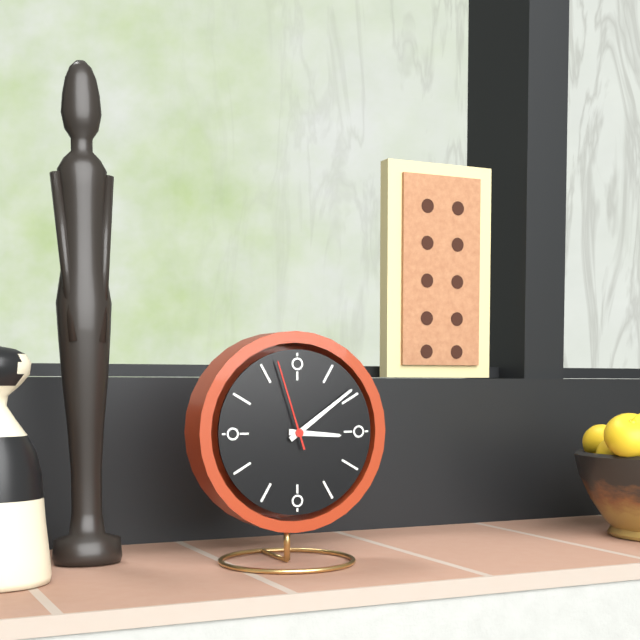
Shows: {"hour": 3, "minute": 9, "second": 57}
